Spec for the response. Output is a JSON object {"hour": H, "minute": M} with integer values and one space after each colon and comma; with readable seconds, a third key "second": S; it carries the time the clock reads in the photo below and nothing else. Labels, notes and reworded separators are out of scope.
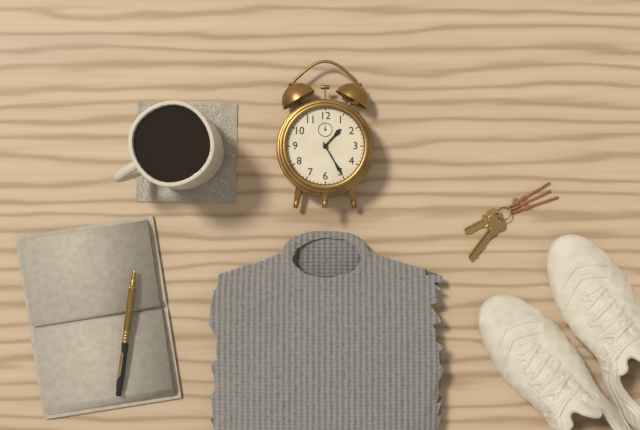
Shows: {"hour": 1, "minute": 25}
